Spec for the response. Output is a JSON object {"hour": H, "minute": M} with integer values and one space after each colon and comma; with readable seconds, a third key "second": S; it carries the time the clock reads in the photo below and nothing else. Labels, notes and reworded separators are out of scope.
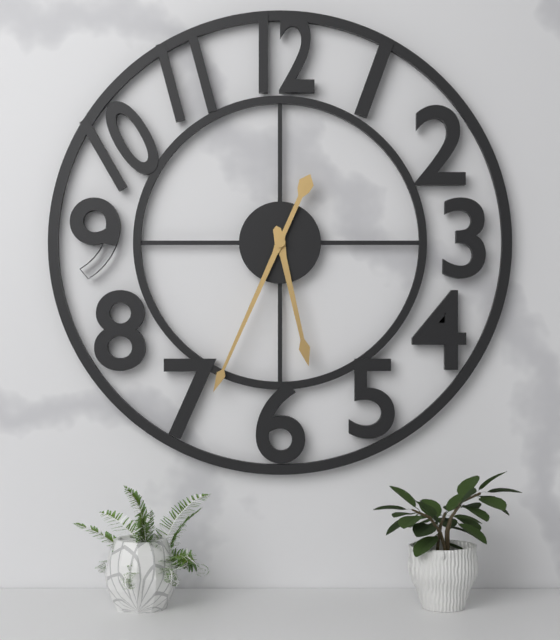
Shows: {"hour": 5, "minute": 34}
